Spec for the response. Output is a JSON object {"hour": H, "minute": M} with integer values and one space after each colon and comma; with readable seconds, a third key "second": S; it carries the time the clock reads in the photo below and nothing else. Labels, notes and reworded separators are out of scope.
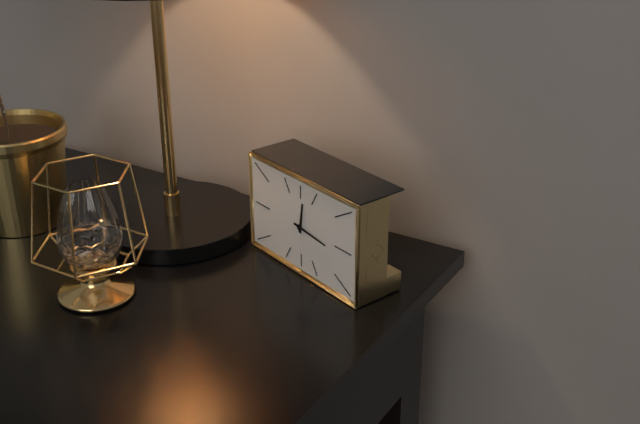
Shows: {"hour": 12, "minute": 16}
